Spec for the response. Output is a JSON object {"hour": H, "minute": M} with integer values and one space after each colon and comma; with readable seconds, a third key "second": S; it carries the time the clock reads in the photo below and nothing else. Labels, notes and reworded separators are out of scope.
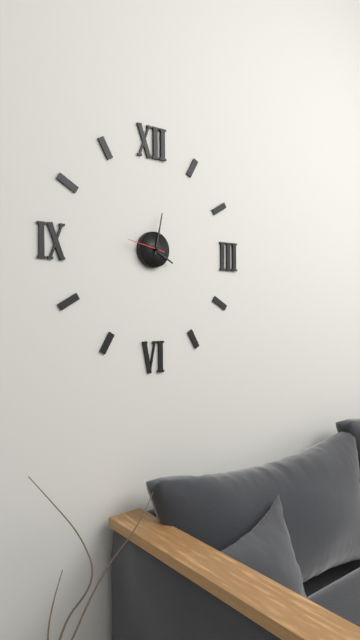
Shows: {"hour": 4, "minute": 2}
